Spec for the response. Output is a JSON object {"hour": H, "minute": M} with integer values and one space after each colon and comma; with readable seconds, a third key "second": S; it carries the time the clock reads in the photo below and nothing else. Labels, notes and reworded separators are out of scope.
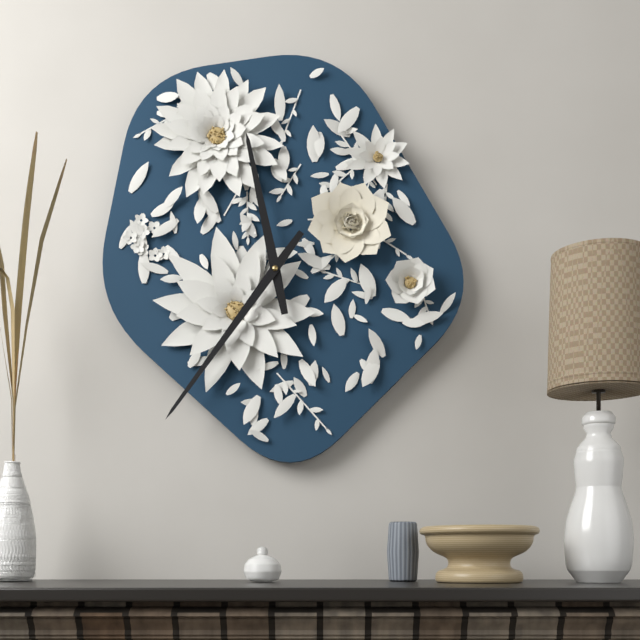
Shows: {"hour": 11, "minute": 36}
